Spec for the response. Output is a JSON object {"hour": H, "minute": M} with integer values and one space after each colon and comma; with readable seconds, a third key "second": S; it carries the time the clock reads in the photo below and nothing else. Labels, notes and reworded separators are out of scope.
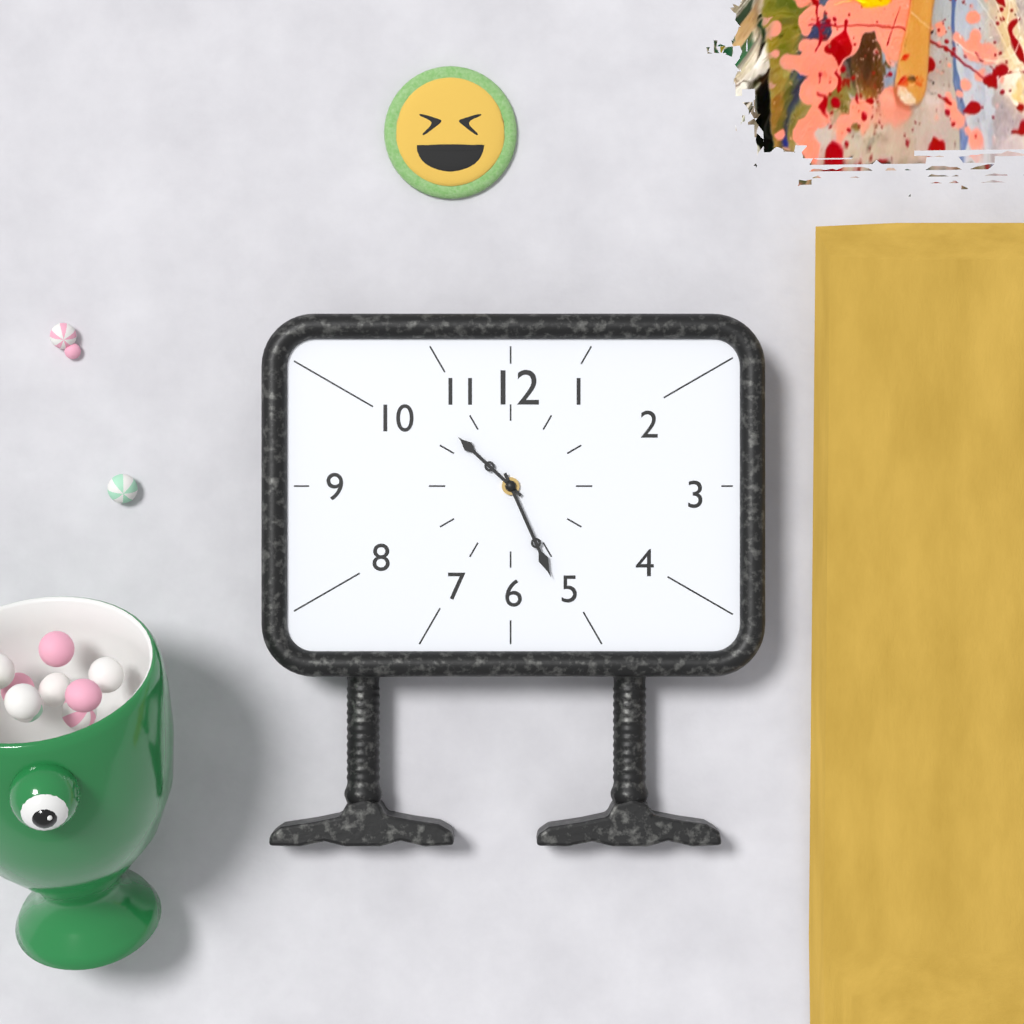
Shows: {"hour": 10, "minute": 26}
